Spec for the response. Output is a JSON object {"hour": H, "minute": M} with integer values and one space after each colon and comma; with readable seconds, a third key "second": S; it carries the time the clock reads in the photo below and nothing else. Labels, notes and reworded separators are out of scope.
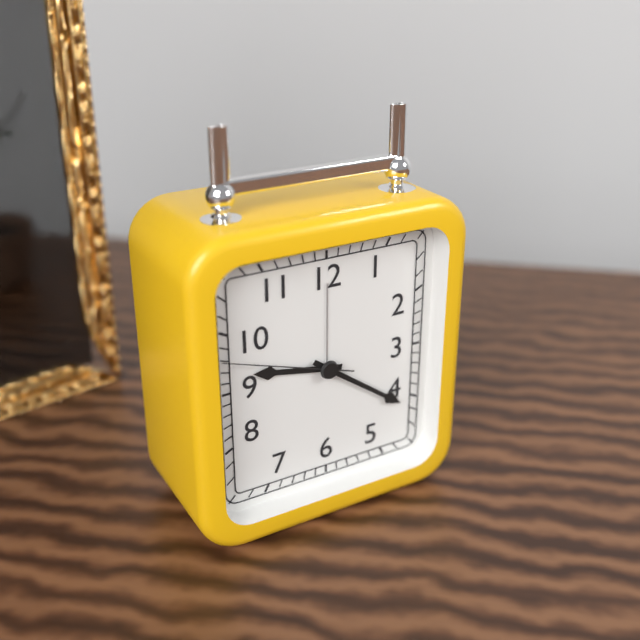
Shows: {"hour": 9, "minute": 21, "second": 48}
